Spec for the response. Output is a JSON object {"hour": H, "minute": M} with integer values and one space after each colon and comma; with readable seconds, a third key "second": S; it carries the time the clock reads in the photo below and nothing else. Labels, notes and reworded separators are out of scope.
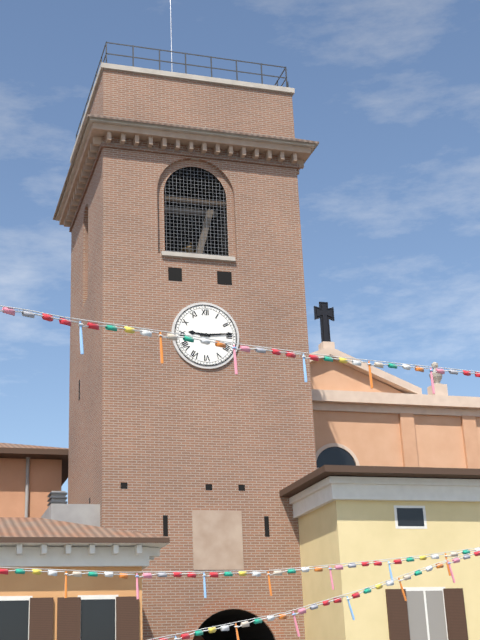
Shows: {"hour": 9, "minute": 14}
